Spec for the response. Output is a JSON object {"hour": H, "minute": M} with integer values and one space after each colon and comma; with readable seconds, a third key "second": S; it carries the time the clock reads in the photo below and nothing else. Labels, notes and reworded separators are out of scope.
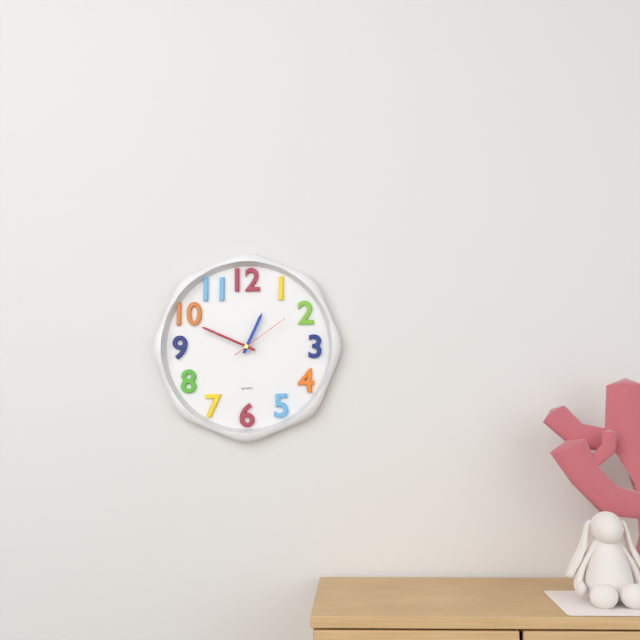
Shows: {"hour": 12, "minute": 49, "second": 9}
